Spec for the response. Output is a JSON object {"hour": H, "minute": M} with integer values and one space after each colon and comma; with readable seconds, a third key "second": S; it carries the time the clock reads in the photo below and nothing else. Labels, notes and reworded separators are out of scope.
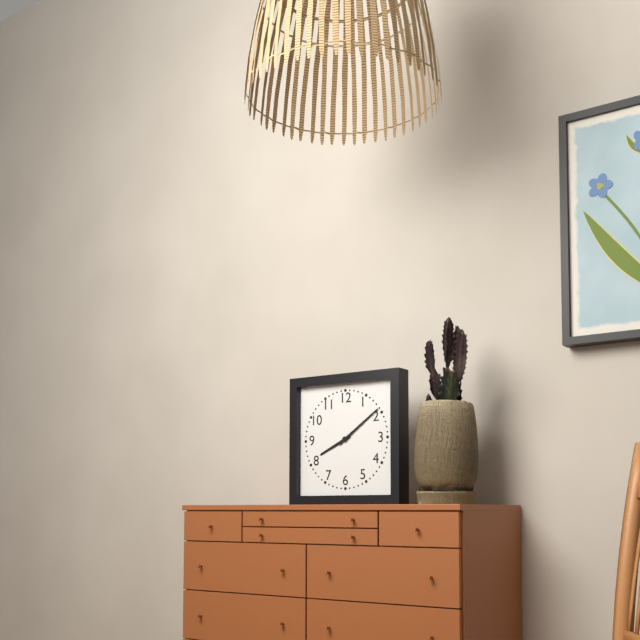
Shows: {"hour": 8, "minute": 9}
